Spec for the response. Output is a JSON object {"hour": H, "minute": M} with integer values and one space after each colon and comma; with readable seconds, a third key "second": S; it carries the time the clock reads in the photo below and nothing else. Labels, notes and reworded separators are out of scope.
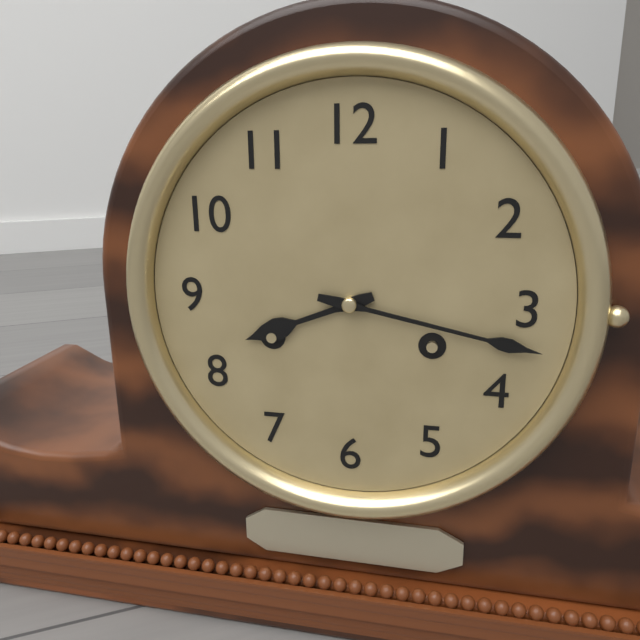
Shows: {"hour": 8, "minute": 17}
